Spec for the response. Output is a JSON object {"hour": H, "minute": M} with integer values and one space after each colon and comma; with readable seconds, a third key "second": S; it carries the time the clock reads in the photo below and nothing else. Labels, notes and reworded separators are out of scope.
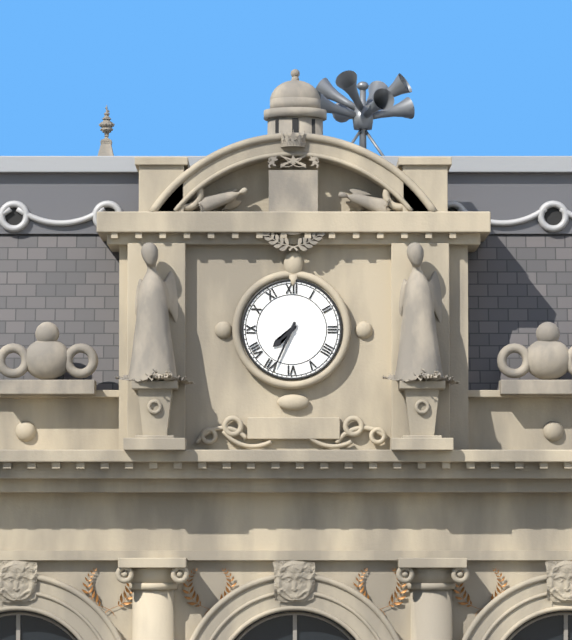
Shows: {"hour": 7, "minute": 34}
